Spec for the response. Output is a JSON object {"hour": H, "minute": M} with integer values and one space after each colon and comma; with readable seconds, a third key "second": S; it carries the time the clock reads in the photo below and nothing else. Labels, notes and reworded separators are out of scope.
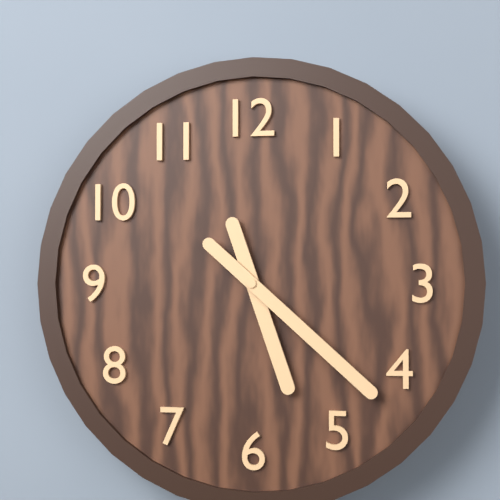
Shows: {"hour": 5, "minute": 22}
